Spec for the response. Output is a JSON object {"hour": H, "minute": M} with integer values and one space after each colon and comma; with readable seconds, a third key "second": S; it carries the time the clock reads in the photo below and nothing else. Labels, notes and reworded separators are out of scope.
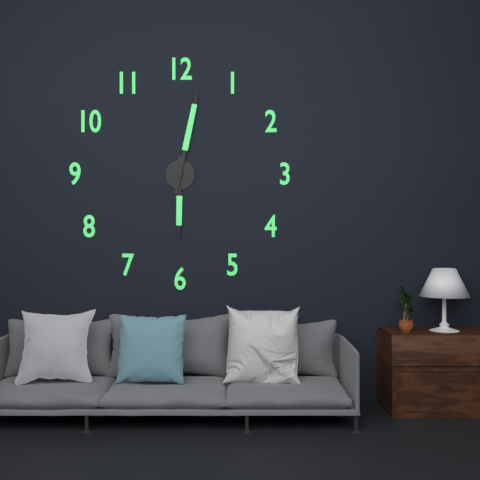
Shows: {"hour": 6, "minute": 2}
